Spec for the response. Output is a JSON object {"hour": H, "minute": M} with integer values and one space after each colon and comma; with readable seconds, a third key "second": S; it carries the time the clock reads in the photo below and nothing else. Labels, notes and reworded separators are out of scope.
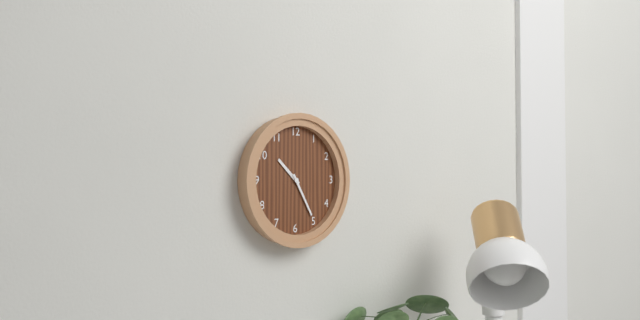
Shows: {"hour": 10, "minute": 25}
